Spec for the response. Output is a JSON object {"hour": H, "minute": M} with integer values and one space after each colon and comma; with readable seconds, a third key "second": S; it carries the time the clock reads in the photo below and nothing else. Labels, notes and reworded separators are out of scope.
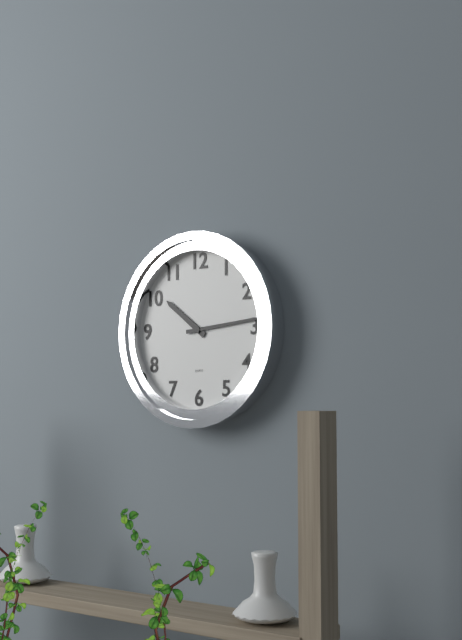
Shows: {"hour": 10, "minute": 14}
